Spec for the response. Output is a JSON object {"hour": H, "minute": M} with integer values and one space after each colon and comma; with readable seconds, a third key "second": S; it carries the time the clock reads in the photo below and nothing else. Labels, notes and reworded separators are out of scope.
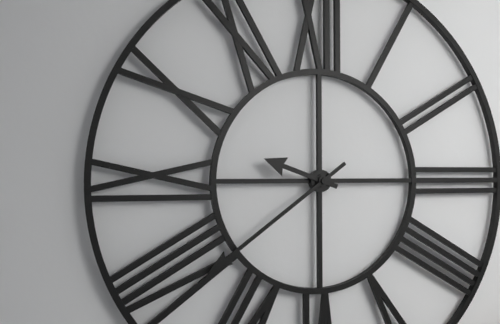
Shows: {"hour": 9, "minute": 39}
